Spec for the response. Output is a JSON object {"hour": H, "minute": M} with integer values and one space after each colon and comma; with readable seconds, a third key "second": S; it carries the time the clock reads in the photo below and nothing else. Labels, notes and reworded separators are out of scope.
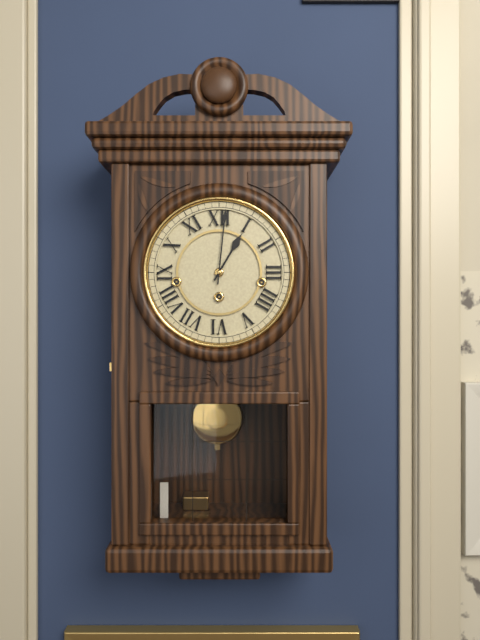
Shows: {"hour": 1, "minute": 1}
